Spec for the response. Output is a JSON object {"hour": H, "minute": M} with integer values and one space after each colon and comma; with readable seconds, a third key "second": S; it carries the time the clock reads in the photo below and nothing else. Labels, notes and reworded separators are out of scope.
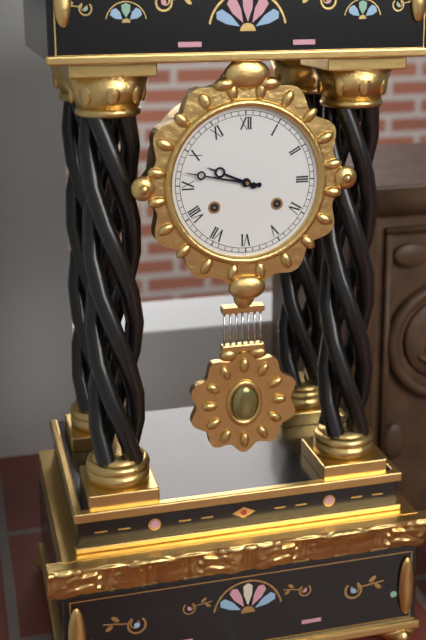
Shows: {"hour": 9, "minute": 47}
